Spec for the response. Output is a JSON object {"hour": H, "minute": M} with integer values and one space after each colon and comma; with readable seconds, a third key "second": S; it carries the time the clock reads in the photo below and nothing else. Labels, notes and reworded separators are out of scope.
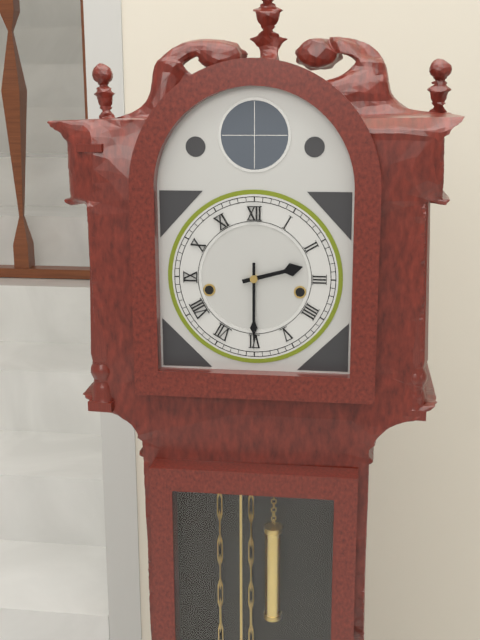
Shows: {"hour": 2, "minute": 30}
